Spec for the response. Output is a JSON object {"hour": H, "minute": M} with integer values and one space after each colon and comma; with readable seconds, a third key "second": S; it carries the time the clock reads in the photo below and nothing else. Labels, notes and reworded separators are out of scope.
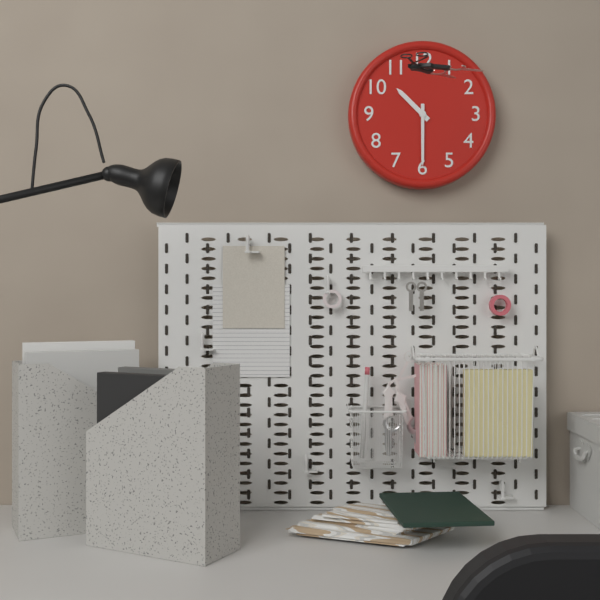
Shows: {"hour": 10, "minute": 30}
